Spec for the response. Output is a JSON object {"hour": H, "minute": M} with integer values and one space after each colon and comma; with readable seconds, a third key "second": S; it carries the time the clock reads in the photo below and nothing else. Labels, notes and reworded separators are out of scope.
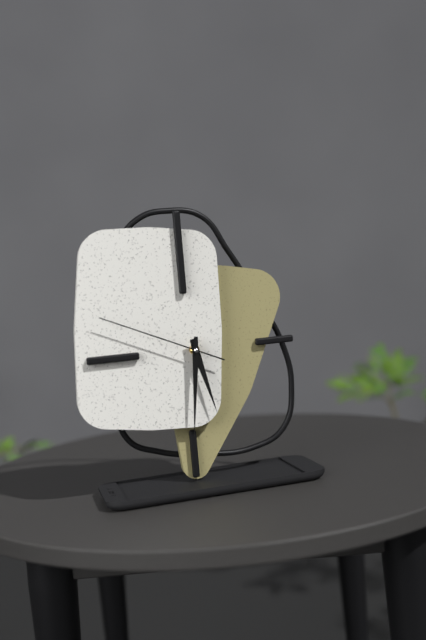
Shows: {"hour": 5, "minute": 31, "second": 49}
